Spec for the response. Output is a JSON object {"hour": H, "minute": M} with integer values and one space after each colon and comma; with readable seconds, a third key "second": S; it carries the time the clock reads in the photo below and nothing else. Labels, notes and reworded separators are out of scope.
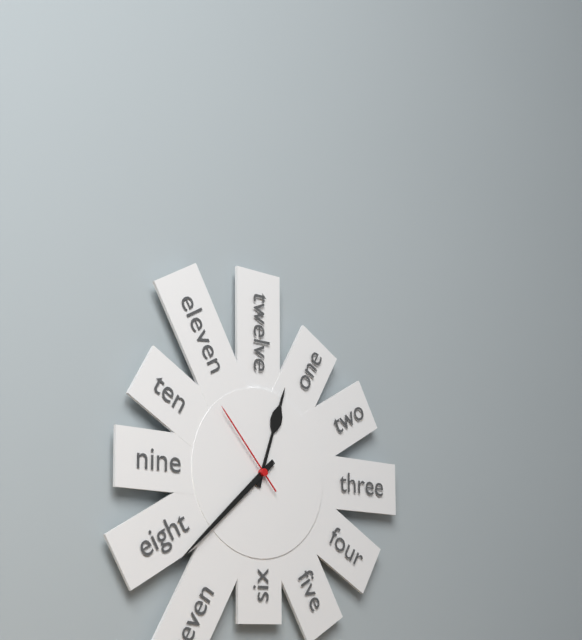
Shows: {"hour": 12, "minute": 38, "second": 53}
